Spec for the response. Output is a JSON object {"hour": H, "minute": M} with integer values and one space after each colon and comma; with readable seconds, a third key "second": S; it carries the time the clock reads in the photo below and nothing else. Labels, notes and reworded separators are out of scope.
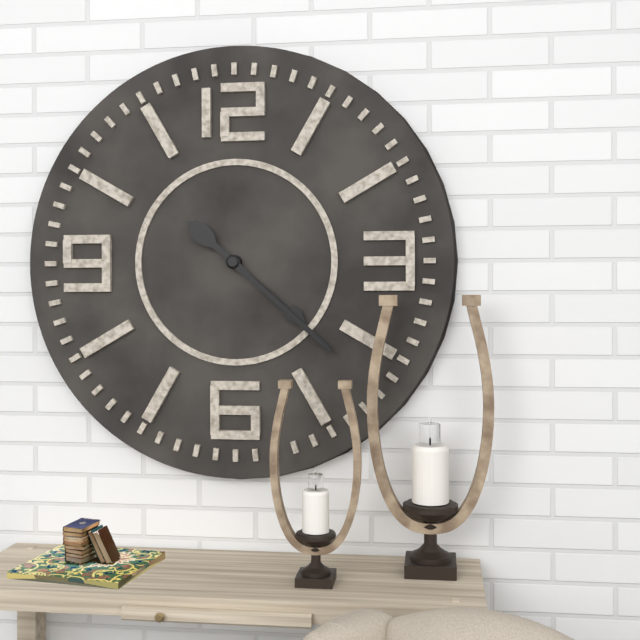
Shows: {"hour": 4, "minute": 22}
